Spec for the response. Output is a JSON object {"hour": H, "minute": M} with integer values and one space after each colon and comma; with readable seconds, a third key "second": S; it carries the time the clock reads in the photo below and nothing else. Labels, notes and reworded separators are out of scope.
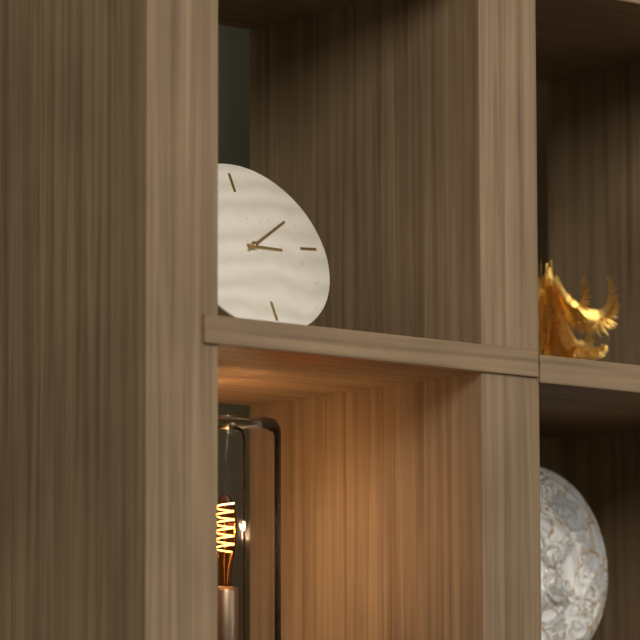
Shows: {"hour": 3, "minute": 10}
